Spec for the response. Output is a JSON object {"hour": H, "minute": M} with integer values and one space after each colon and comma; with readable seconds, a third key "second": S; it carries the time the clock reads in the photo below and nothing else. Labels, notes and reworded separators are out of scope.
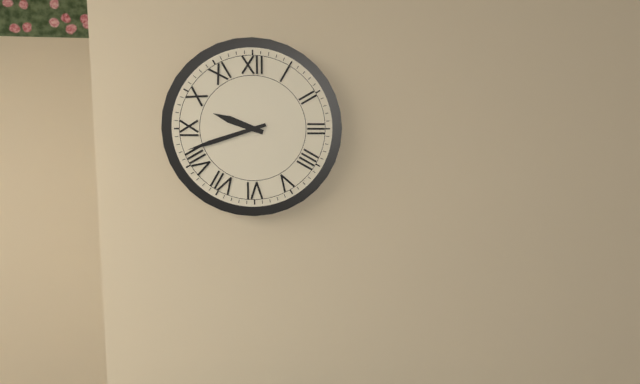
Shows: {"hour": 9, "minute": 42}
